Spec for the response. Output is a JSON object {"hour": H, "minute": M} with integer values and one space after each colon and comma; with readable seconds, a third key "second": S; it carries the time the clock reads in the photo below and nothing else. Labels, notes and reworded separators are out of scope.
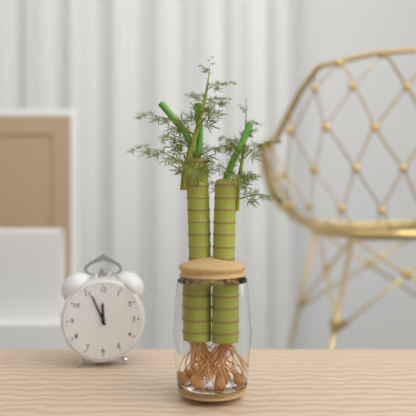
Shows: {"hour": 11, "minute": 56}
